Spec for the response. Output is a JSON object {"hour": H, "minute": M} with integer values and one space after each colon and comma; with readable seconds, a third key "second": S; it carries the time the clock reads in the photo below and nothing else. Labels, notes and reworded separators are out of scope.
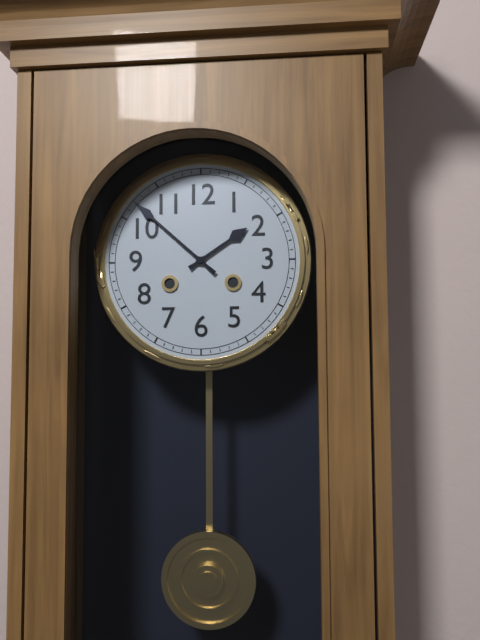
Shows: {"hour": 1, "minute": 52}
